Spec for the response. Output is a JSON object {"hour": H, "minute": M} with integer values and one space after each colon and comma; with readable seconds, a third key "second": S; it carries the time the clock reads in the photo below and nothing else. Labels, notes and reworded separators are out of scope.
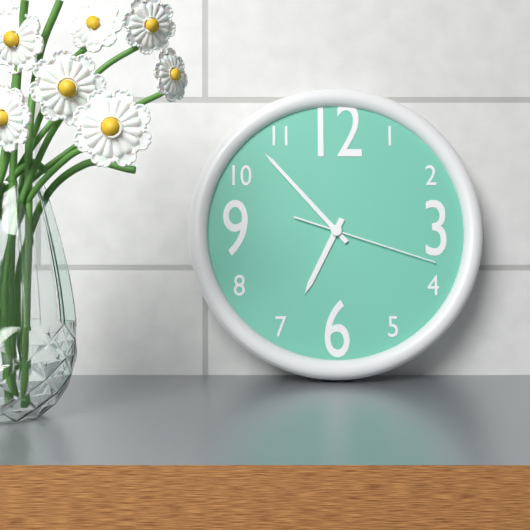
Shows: {"hour": 6, "minute": 53, "second": 18}
